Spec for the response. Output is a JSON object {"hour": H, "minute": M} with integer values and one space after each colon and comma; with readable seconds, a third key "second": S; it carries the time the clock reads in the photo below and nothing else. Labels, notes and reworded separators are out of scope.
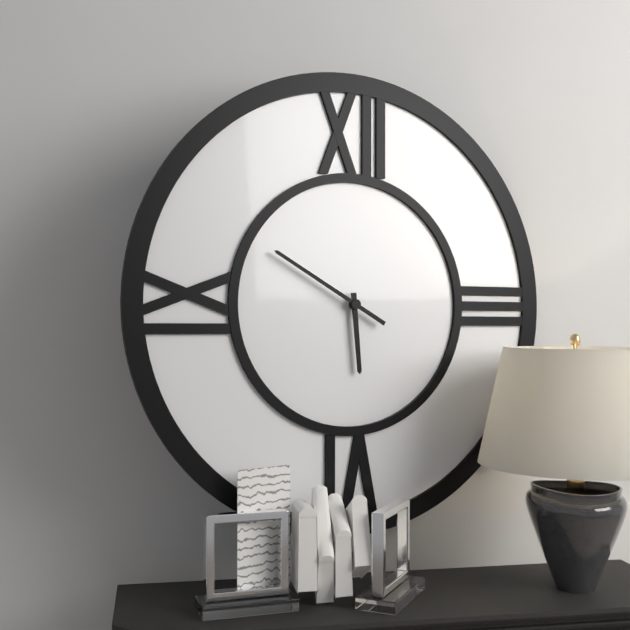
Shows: {"hour": 5, "minute": 50}
